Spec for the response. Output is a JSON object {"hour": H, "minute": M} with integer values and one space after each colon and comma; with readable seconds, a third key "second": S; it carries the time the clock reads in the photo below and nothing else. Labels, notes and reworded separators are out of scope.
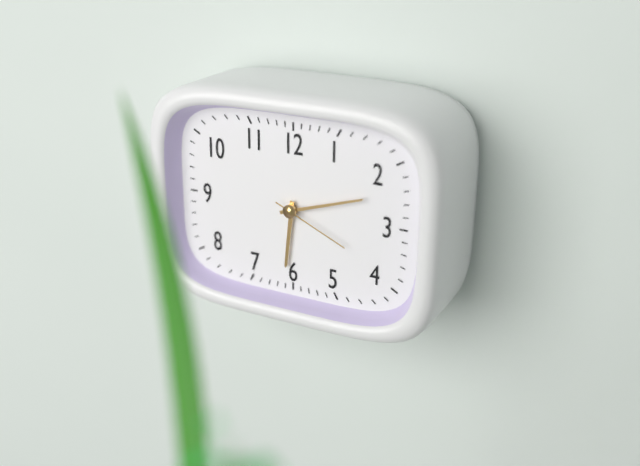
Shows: {"hour": 6, "minute": 12, "second": 19}
